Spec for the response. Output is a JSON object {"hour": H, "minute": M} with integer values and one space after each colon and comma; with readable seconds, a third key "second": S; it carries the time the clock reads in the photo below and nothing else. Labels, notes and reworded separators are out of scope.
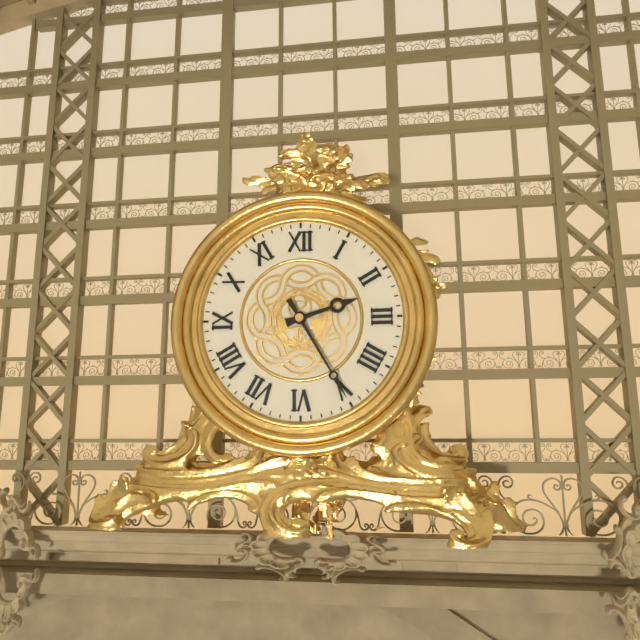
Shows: {"hour": 2, "minute": 25}
